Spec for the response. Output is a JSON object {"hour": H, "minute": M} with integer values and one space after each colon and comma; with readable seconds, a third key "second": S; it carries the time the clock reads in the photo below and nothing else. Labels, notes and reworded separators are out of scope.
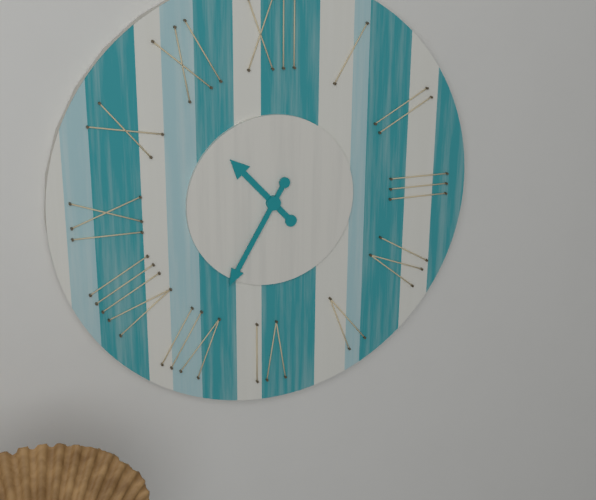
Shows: {"hour": 10, "minute": 35}
